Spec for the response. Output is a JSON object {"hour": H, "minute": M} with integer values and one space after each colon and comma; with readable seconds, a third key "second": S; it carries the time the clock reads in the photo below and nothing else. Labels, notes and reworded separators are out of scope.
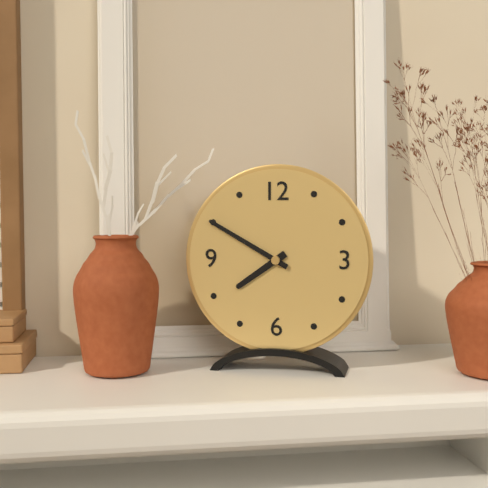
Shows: {"hour": 7, "minute": 50}
